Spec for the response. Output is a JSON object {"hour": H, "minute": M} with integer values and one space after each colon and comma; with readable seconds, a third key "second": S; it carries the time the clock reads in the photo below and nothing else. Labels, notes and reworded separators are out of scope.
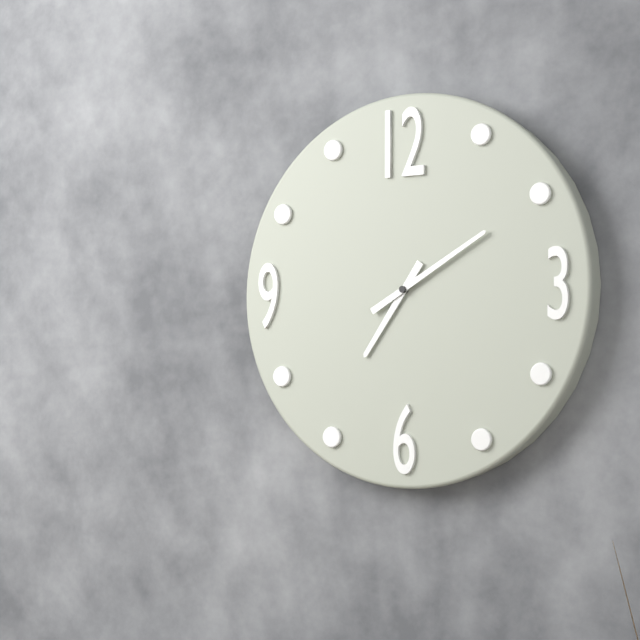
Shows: {"hour": 7, "minute": 10}
